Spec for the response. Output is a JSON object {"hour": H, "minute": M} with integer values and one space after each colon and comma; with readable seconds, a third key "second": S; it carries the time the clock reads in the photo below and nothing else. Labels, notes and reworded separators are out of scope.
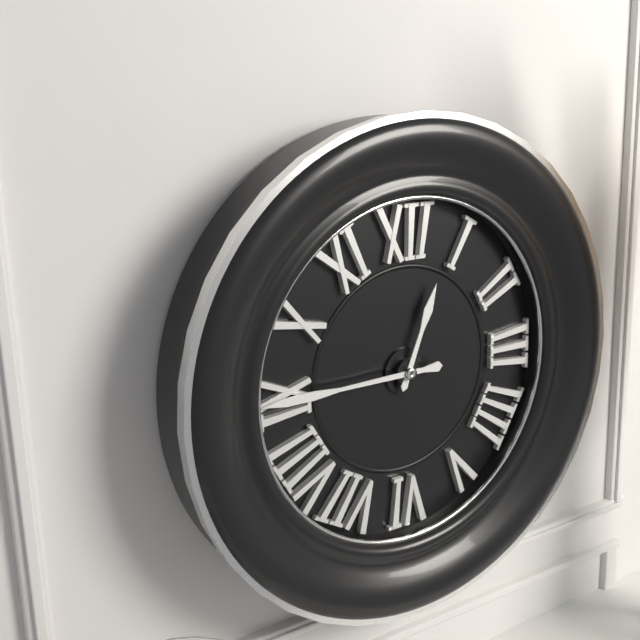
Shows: {"hour": 12, "minute": 45}
